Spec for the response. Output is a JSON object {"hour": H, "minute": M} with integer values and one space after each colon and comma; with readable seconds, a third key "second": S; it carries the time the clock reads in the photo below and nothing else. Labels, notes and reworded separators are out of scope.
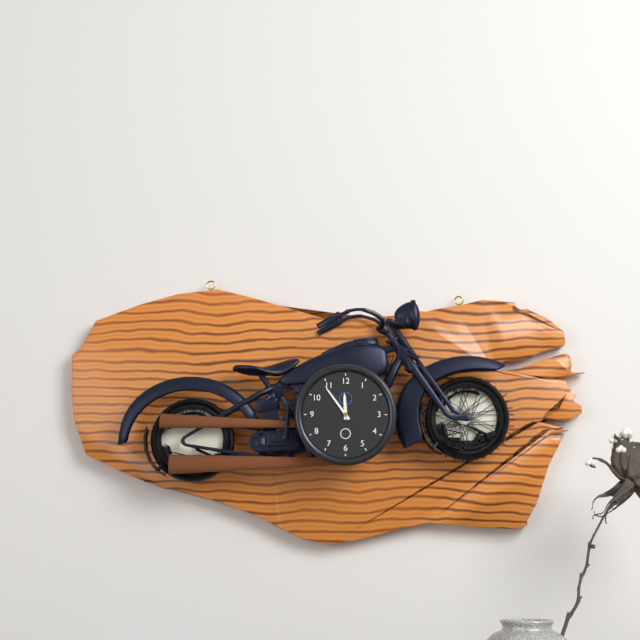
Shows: {"hour": 11, "minute": 54}
